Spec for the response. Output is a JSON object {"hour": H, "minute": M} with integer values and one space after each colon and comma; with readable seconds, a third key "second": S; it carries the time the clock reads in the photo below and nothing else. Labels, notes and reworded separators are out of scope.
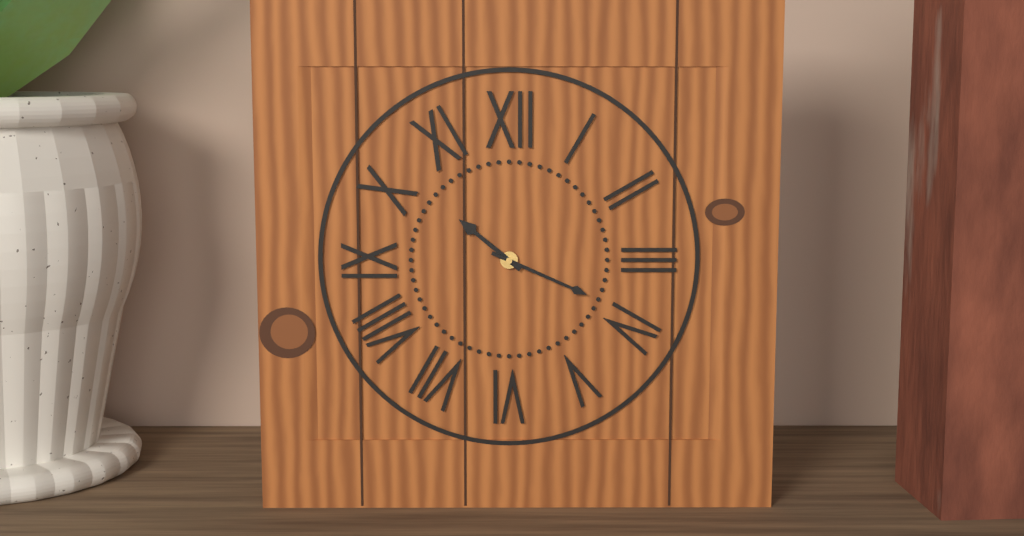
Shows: {"hour": 10, "minute": 19}
